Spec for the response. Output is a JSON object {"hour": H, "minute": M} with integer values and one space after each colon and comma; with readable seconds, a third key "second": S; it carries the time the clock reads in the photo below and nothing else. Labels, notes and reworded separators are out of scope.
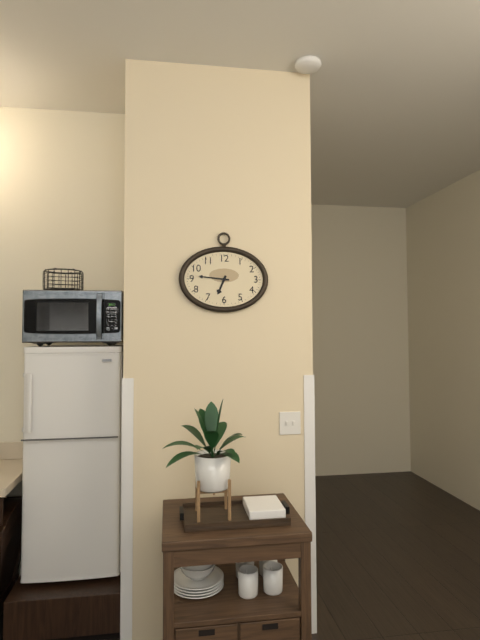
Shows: {"hour": 6, "minute": 46}
